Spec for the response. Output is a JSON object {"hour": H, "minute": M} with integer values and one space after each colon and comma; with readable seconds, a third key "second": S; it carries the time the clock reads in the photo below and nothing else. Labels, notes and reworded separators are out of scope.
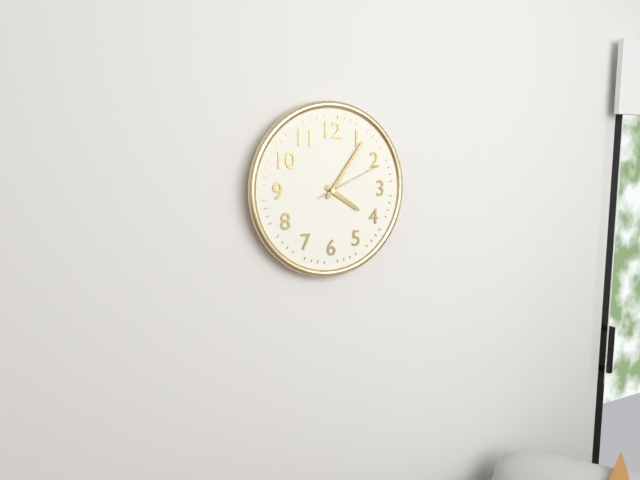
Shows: {"hour": 4, "minute": 6, "second": 11}
